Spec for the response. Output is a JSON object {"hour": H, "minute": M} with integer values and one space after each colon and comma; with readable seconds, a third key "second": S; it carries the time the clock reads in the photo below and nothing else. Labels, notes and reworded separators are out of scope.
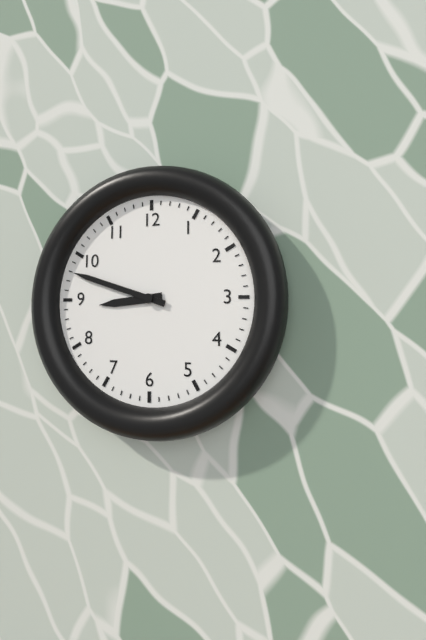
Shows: {"hour": 8, "minute": 48}
